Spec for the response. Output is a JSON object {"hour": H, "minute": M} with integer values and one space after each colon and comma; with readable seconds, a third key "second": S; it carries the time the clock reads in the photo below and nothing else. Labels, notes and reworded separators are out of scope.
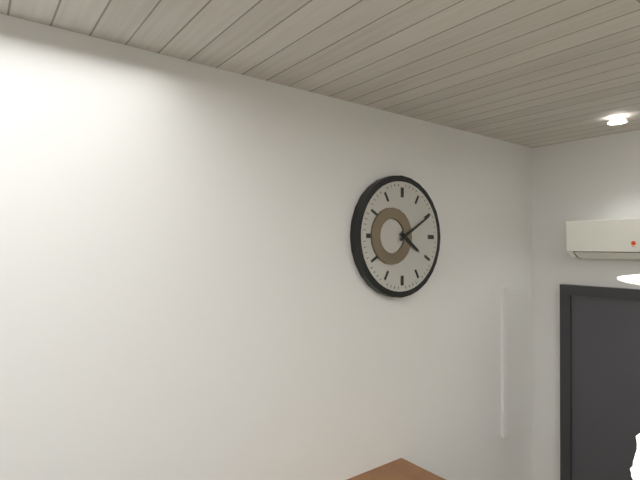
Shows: {"hour": 4, "minute": 10}
